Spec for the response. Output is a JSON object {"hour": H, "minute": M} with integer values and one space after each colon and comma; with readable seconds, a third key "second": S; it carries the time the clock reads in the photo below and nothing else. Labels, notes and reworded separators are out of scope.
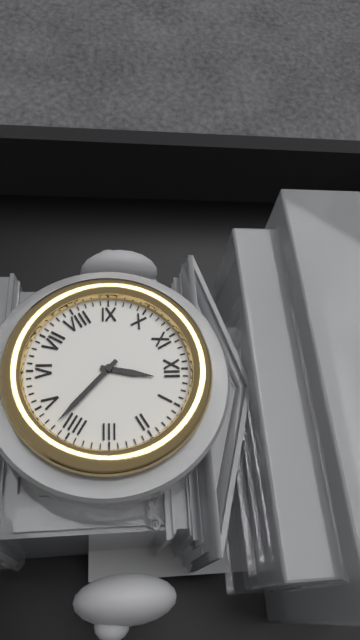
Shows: {"hour": 12, "minute": 22}
